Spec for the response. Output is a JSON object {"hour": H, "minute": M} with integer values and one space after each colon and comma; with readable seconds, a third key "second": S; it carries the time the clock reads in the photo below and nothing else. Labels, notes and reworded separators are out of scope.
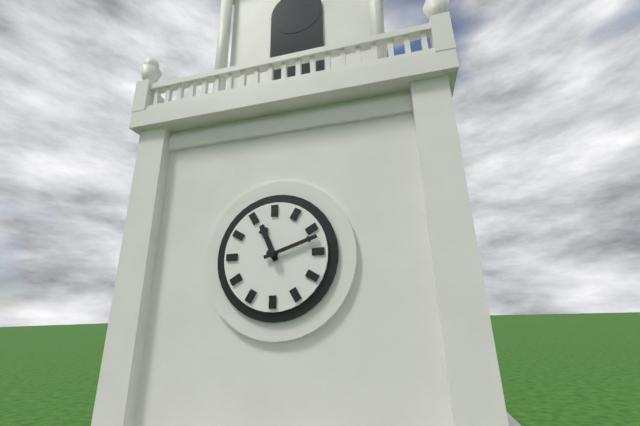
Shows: {"hour": 11, "minute": 12}
